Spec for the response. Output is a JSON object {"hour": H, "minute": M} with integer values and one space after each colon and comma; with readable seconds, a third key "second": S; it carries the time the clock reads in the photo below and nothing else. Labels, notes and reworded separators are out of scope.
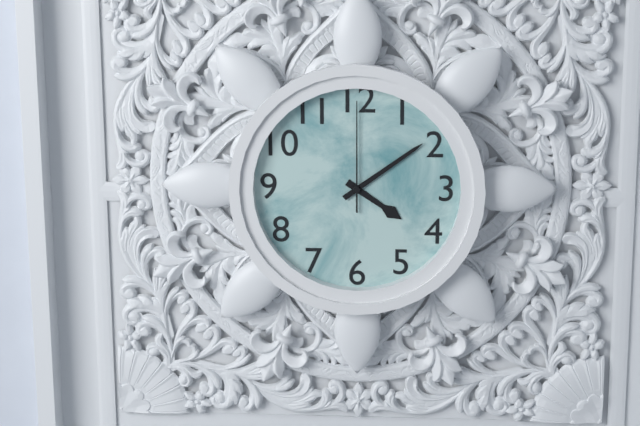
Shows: {"hour": 4, "minute": 9, "second": 0}
